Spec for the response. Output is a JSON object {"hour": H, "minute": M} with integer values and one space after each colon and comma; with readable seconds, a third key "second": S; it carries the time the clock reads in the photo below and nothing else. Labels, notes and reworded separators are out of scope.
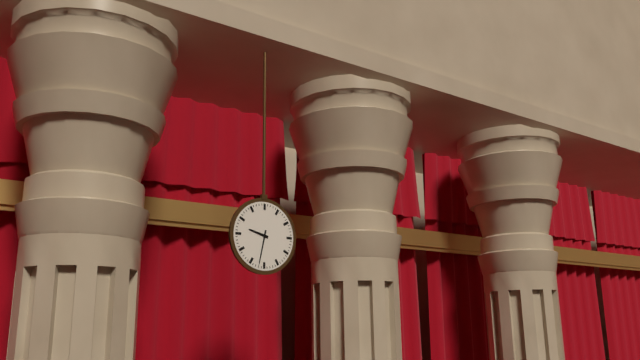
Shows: {"hour": 9, "minute": 32}
